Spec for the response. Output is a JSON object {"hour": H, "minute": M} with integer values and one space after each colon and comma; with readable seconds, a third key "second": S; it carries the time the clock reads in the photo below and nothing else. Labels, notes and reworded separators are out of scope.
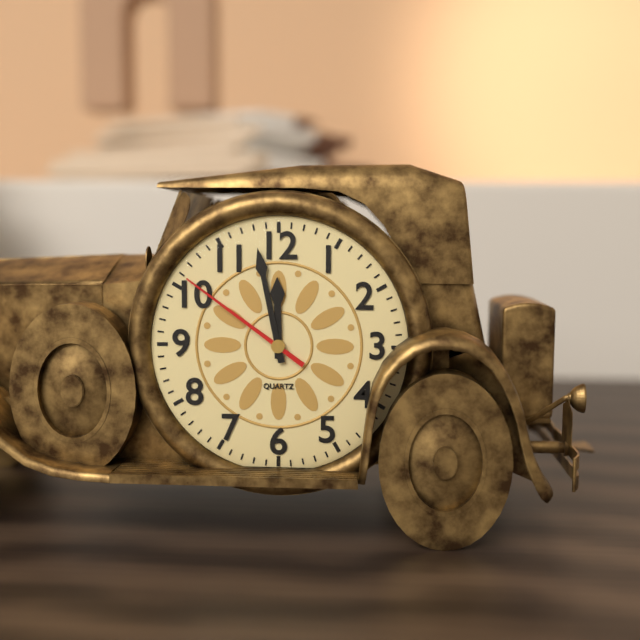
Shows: {"hour": 11, "minute": 58, "second": 51}
